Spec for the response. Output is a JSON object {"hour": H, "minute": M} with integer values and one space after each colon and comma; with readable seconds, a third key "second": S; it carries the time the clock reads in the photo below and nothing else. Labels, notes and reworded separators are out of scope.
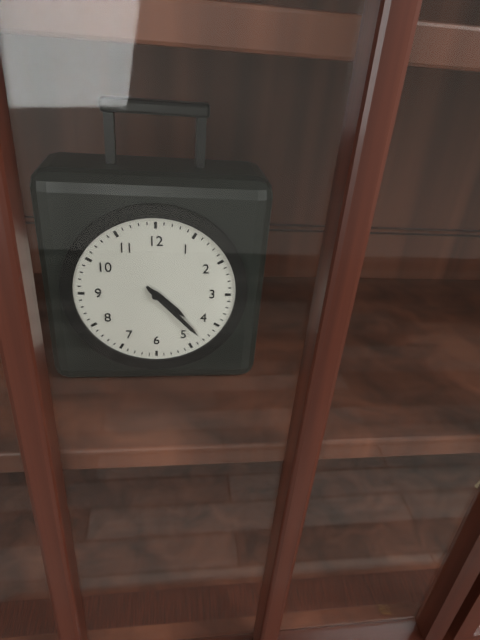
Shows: {"hour": 4, "minute": 23}
